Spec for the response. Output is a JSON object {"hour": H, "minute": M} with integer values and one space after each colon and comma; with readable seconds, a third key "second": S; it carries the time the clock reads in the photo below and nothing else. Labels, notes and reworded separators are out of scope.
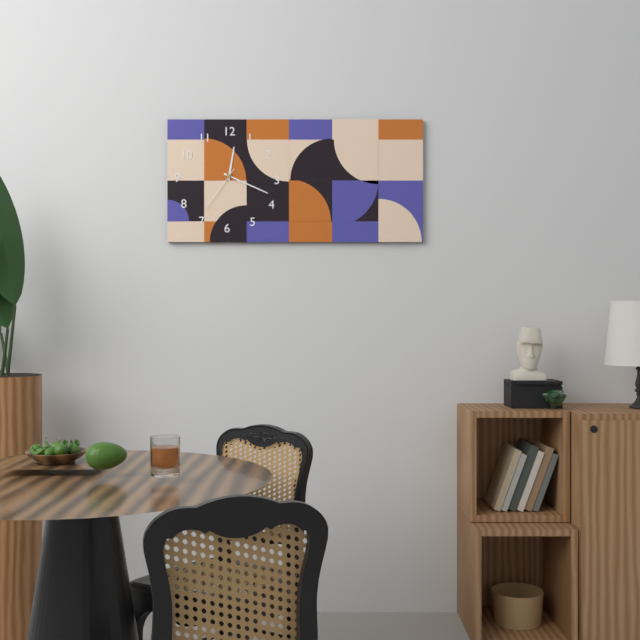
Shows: {"hour": 12, "minute": 19}
